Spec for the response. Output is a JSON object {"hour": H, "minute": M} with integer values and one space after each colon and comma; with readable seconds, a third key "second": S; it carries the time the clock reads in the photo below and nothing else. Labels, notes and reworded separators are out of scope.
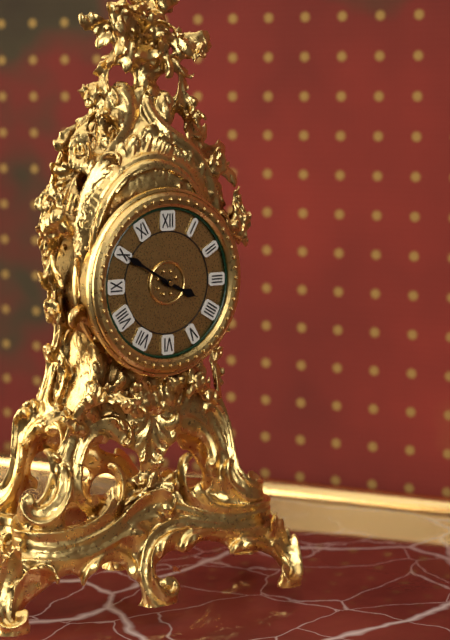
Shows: {"hour": 3, "minute": 50}
